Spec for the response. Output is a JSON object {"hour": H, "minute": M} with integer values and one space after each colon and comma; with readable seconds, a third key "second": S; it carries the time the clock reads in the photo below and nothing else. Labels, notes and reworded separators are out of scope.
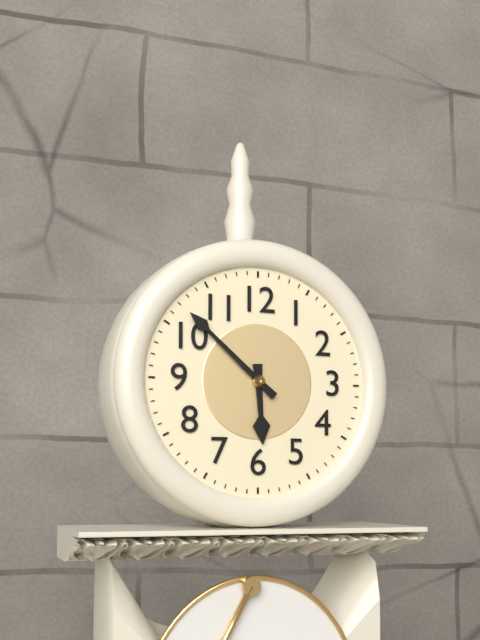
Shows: {"hour": 5, "minute": 52}
